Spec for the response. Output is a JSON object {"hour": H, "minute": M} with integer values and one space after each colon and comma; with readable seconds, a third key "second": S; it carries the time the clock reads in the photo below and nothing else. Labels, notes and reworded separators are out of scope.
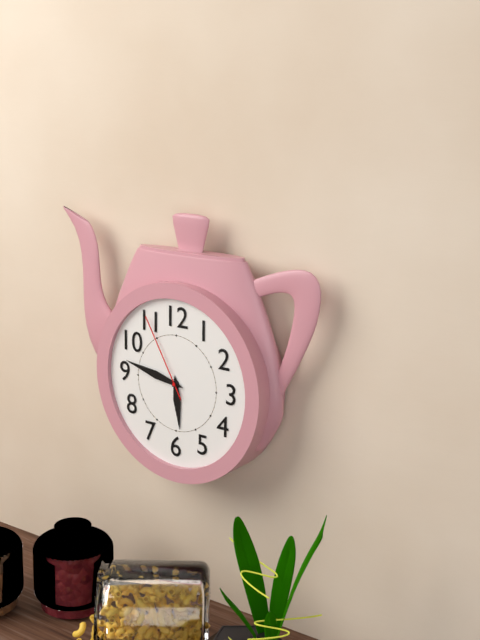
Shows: {"hour": 5, "minute": 47, "second": 55}
